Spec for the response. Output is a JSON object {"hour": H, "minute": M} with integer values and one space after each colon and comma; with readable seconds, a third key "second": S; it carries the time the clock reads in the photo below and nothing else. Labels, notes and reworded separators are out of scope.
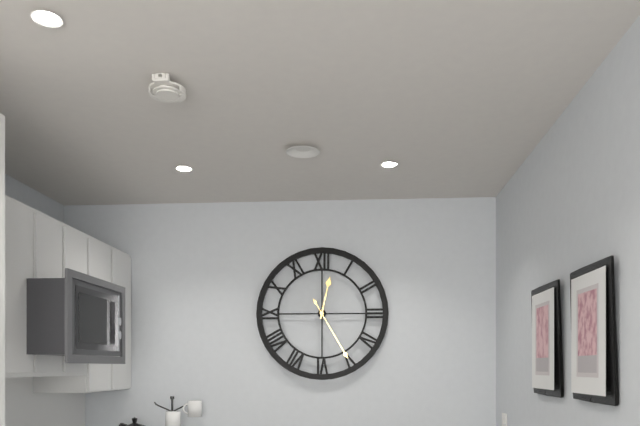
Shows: {"hour": 12, "minute": 25}
